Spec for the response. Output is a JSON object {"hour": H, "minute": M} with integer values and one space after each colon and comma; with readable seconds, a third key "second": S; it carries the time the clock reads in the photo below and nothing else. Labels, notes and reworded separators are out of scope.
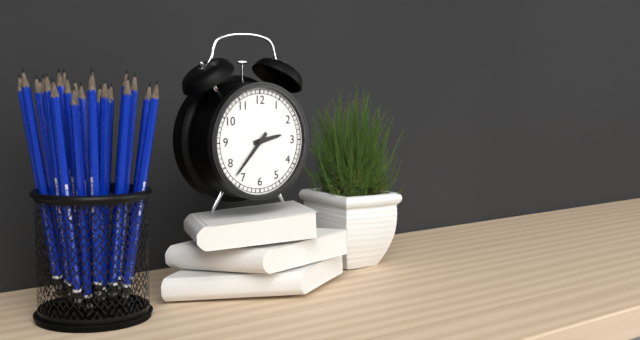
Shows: {"hour": 2, "minute": 37}
